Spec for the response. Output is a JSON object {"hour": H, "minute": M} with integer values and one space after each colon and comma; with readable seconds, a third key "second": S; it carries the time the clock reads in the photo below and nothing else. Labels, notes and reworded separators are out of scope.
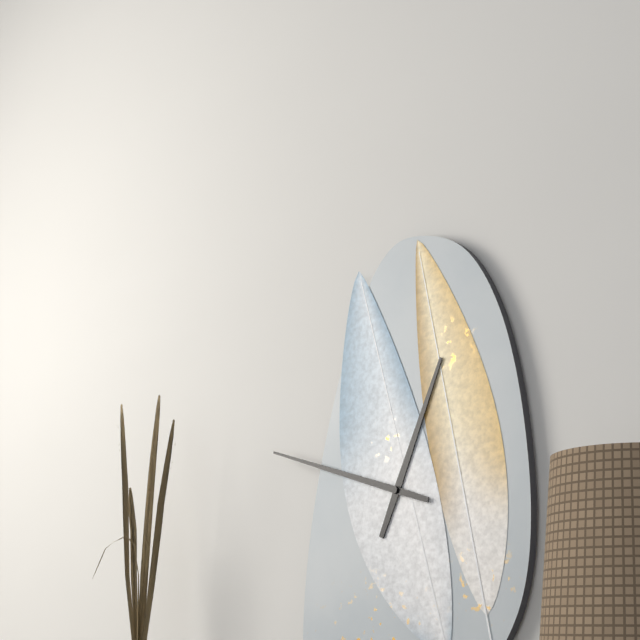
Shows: {"hour": 12, "minute": 48}
